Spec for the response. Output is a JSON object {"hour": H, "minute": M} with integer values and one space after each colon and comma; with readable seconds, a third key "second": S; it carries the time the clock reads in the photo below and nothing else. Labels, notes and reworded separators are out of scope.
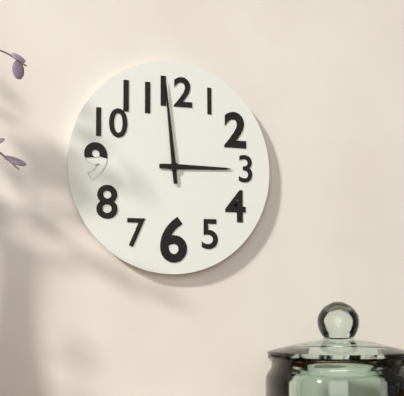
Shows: {"hour": 2, "minute": 59}
